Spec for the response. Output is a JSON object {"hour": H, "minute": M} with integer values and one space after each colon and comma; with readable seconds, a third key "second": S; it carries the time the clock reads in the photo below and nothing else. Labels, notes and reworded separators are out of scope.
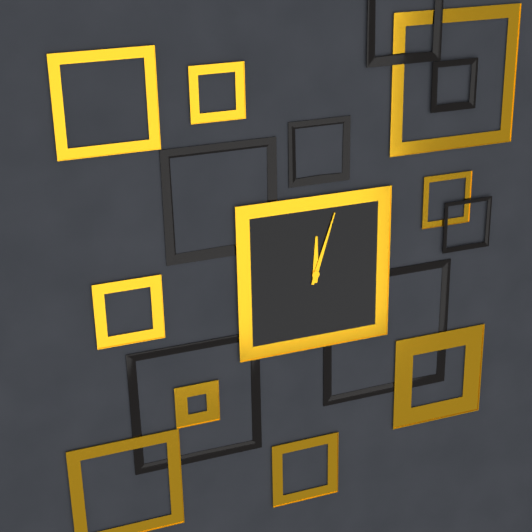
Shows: {"hour": 12, "minute": 3}
